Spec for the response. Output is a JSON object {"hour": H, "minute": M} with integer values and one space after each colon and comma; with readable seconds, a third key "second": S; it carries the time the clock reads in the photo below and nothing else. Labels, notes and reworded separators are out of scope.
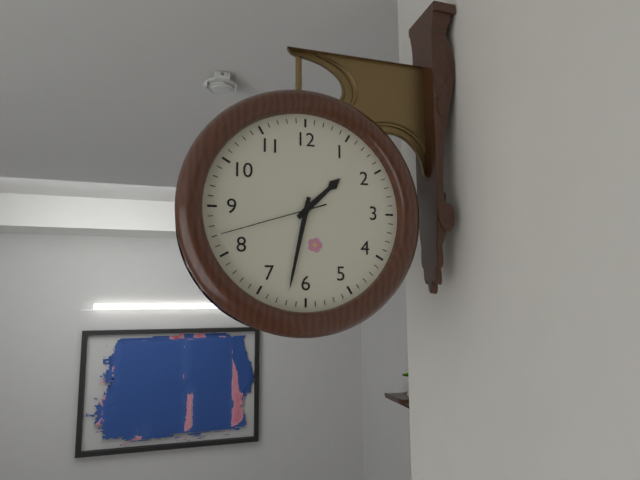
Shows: {"hour": 1, "minute": 32, "second": 42}
